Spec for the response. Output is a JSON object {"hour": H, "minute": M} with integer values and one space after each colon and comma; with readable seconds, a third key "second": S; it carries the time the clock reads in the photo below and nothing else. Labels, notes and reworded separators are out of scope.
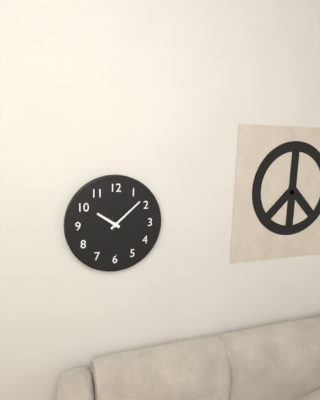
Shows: {"hour": 10, "minute": 8}
